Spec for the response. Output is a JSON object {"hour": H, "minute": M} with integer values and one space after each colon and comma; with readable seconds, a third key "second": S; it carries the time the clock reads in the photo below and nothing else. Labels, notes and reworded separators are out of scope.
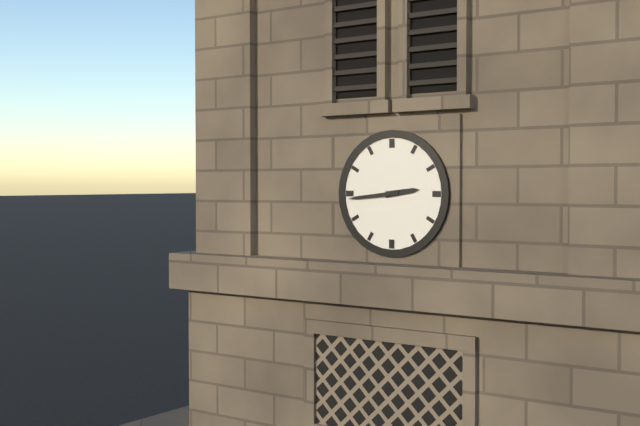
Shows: {"hour": 2, "minute": 44}
